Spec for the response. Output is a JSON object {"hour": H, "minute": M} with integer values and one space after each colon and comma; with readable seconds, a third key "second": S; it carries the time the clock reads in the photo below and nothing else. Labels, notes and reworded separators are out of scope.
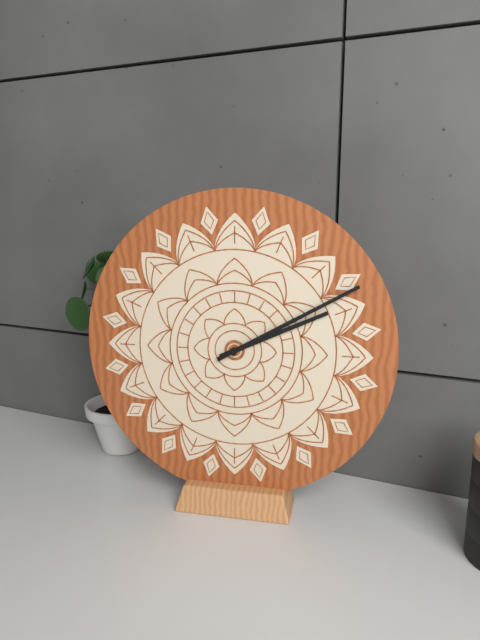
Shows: {"hour": 2, "minute": 10}
